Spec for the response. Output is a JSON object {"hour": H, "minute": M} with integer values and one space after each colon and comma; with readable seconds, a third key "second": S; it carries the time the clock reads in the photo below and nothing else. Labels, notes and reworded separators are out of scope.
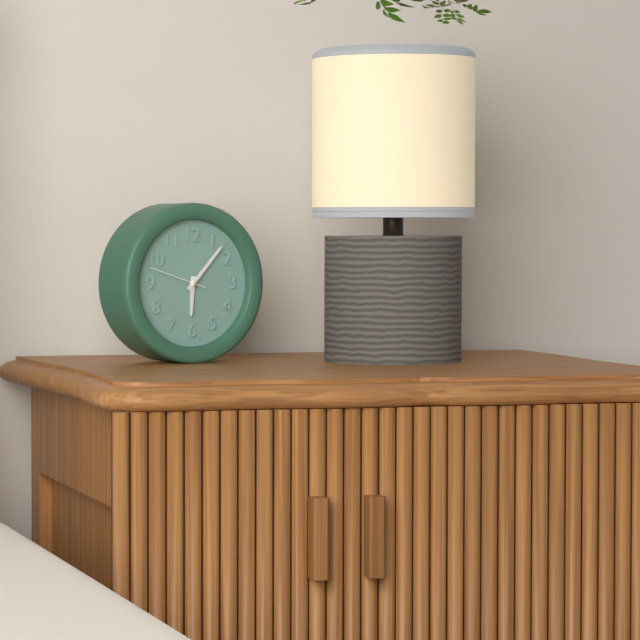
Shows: {"hour": 6, "minute": 7, "second": 48}
